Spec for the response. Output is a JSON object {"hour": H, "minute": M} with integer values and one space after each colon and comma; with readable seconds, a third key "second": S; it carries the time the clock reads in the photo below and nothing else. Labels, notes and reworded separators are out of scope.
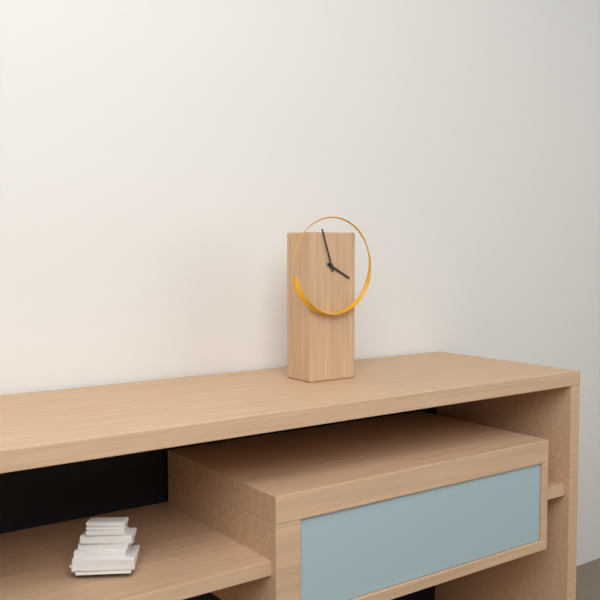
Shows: {"hour": 3, "minute": 57}
